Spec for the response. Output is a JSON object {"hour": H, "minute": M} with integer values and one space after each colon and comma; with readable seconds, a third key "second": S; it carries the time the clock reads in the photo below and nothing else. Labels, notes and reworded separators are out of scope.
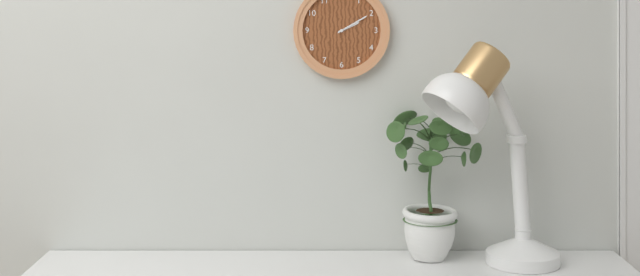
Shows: {"hour": 2, "minute": 10}
